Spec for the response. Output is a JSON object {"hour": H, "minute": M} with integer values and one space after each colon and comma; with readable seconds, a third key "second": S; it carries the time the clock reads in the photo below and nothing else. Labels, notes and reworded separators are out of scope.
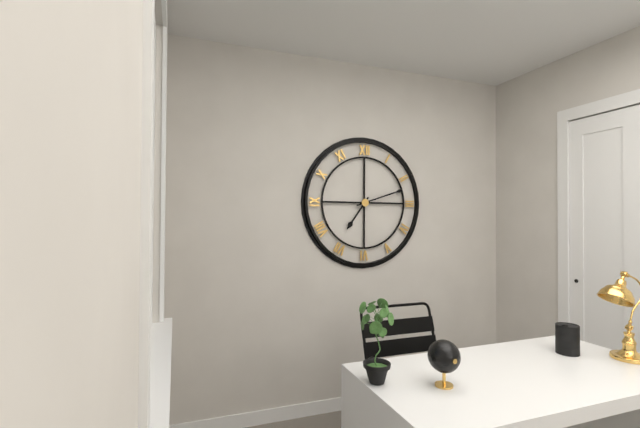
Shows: {"hour": 7, "minute": 12}
